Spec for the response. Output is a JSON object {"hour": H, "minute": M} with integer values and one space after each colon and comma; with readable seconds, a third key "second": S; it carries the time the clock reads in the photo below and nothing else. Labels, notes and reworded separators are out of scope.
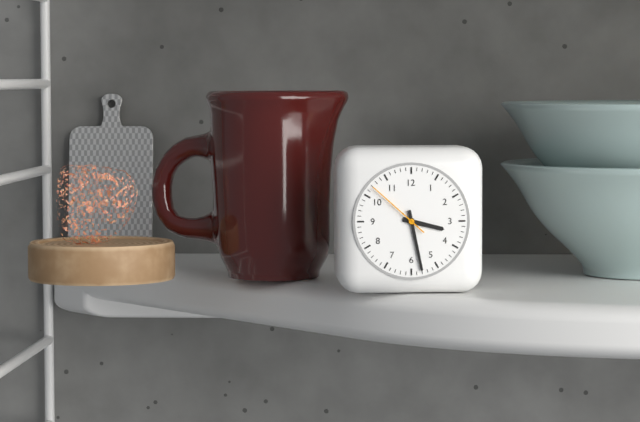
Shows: {"hour": 3, "minute": 28, "second": 52}
